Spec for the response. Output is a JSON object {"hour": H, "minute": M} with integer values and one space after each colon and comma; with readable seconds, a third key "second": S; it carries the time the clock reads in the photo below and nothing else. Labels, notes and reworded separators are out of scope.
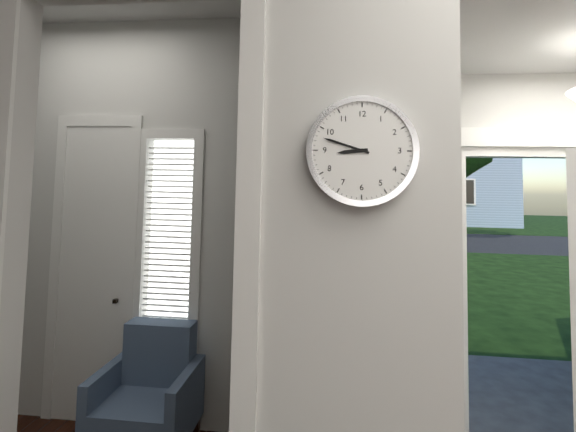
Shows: {"hour": 8, "minute": 48}
